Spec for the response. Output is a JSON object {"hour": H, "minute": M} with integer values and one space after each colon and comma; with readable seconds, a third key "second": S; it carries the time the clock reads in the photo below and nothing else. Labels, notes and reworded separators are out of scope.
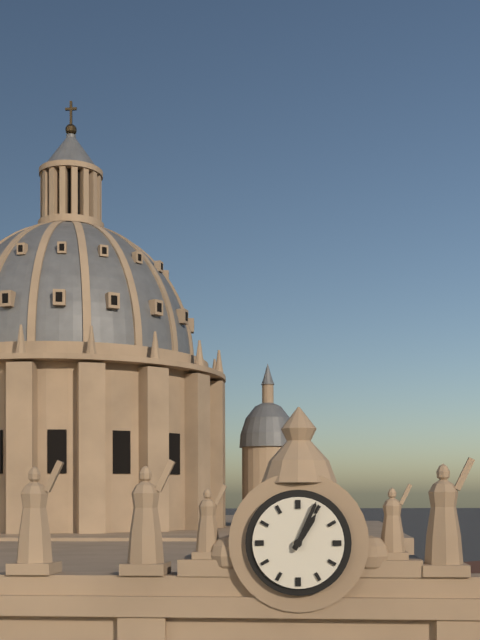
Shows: {"hour": 1, "minute": 4}
